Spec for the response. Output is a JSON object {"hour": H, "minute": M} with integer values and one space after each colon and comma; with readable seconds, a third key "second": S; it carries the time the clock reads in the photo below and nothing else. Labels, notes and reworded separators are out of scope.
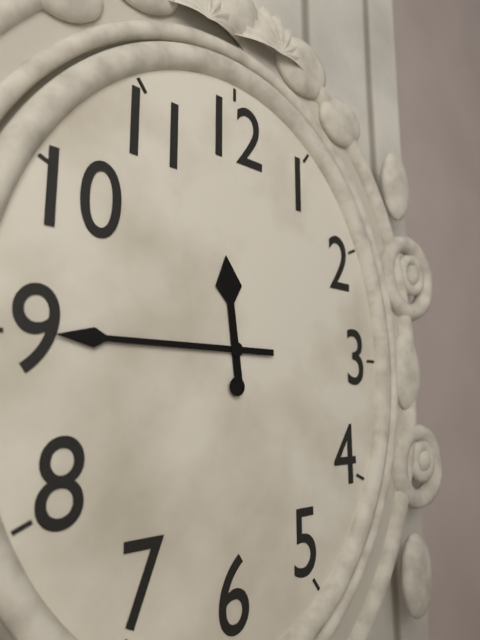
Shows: {"hour": 11, "minute": 45}
